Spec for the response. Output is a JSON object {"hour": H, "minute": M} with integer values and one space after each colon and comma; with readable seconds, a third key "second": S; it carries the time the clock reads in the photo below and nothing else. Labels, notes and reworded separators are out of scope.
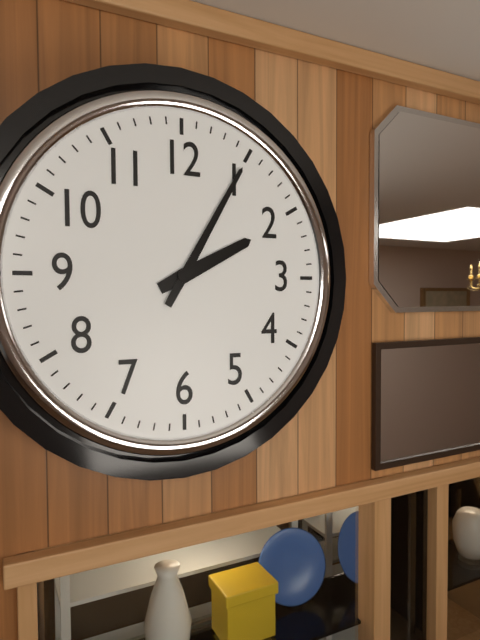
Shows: {"hour": 2, "minute": 5}
